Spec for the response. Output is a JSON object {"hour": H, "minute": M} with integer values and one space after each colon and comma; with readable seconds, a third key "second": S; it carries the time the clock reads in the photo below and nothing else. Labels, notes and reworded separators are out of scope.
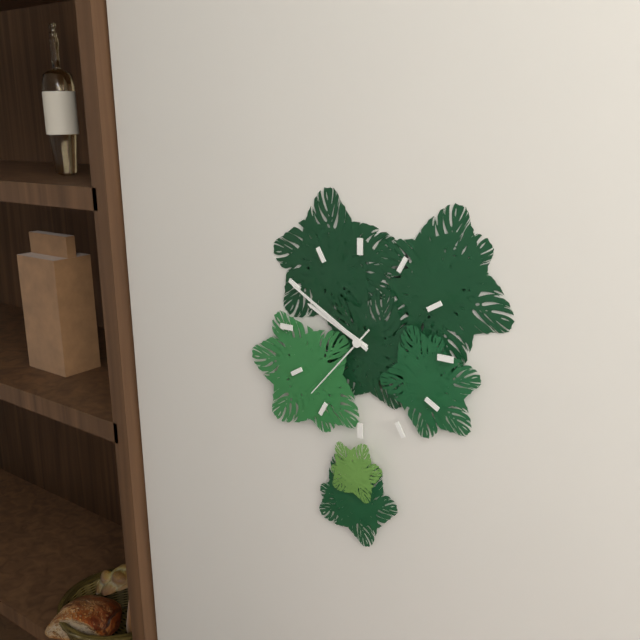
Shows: {"hour": 9, "minute": 50, "second": 37}
